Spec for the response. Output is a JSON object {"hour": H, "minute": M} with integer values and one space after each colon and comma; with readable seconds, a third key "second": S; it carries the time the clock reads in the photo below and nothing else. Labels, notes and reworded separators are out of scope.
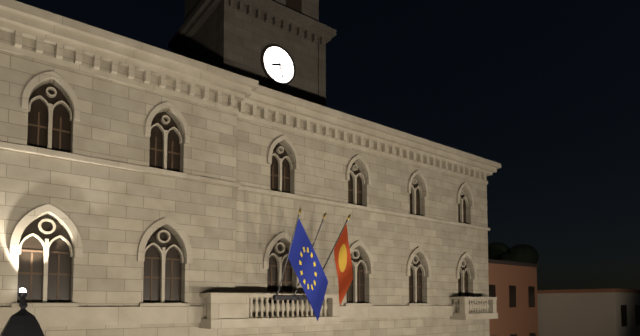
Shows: {"hour": 8, "minute": 27}
